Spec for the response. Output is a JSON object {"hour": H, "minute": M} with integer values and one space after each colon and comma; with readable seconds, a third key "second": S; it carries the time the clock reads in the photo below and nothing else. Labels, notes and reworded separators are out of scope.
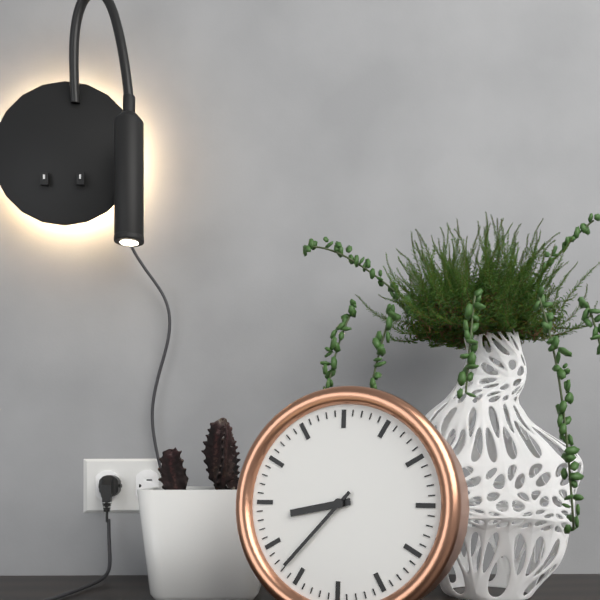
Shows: {"hour": 8, "minute": 37}
